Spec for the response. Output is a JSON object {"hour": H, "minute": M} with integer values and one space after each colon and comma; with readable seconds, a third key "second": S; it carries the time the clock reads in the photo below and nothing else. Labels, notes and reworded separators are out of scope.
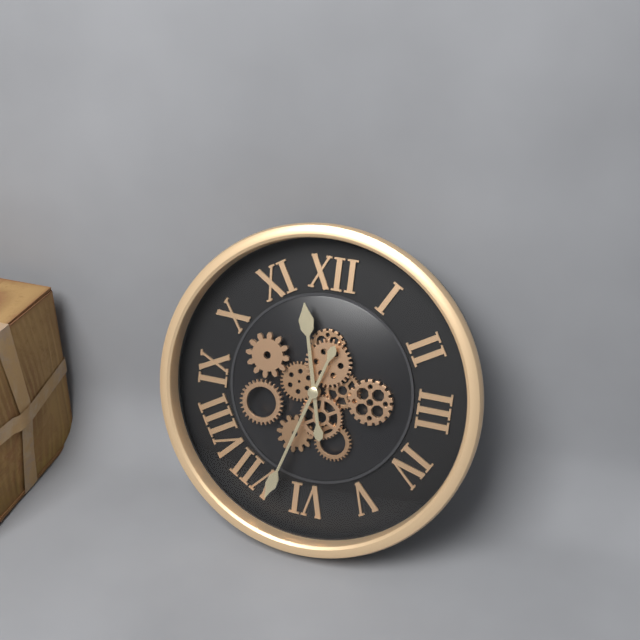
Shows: {"hour": 11, "minute": 33}
